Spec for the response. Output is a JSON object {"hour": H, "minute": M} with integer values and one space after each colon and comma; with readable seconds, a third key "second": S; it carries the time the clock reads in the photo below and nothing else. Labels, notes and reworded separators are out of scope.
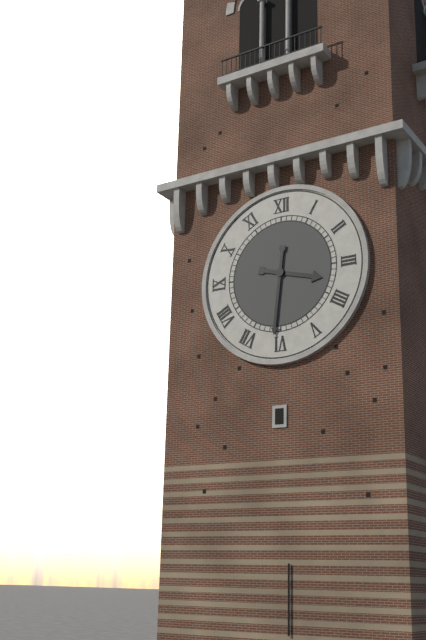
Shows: {"hour": 3, "minute": 31}
